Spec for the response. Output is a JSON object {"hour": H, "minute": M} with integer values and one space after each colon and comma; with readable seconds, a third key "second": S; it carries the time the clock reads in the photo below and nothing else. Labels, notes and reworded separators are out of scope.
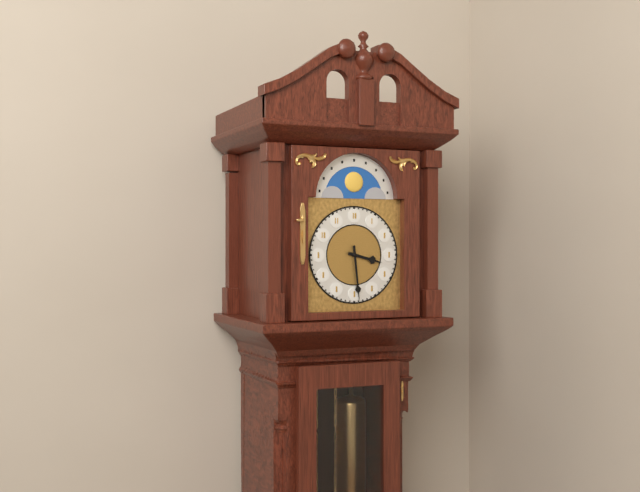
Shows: {"hour": 3, "minute": 29}
